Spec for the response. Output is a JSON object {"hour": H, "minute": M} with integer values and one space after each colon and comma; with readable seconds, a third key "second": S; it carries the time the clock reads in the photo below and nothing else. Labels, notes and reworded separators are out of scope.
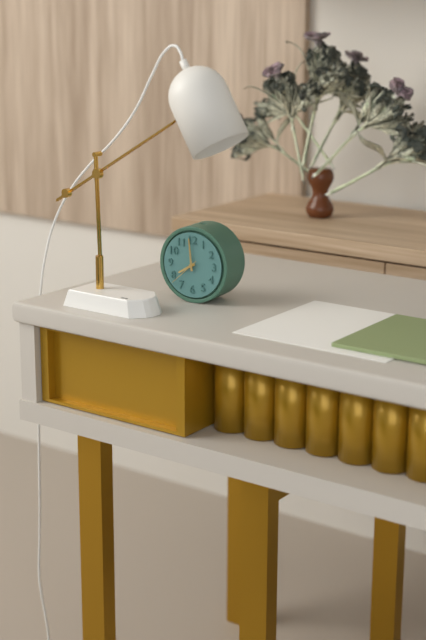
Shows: {"hour": 7, "minute": 59}
